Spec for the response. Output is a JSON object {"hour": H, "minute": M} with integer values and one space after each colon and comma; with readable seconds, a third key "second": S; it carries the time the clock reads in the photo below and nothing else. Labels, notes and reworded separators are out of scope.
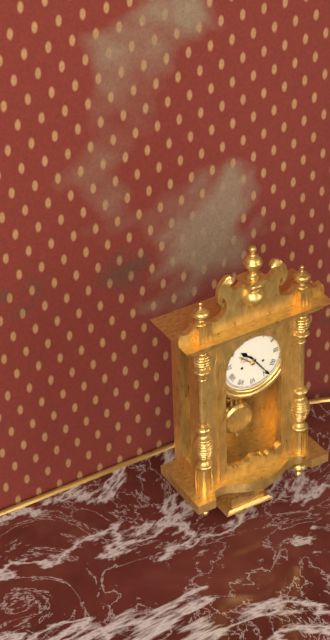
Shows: {"hour": 10, "minute": 24}
